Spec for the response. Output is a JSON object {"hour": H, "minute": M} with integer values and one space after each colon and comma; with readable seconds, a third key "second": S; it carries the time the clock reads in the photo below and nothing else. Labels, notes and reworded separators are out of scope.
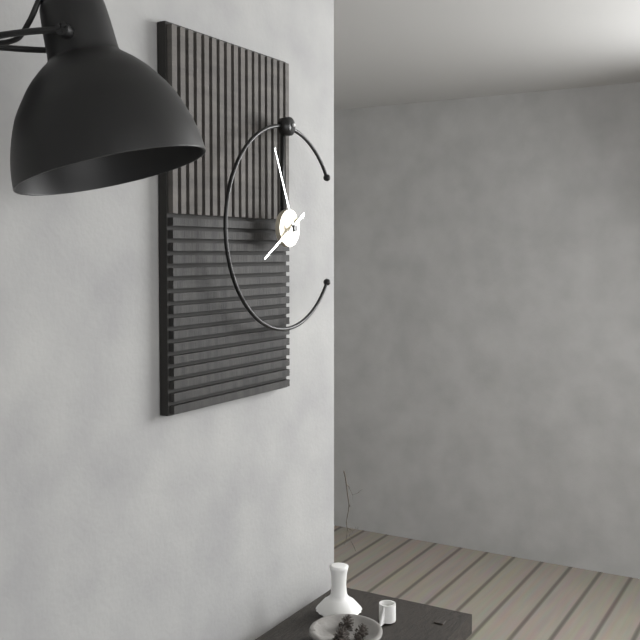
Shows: {"hour": 7, "minute": 56}
